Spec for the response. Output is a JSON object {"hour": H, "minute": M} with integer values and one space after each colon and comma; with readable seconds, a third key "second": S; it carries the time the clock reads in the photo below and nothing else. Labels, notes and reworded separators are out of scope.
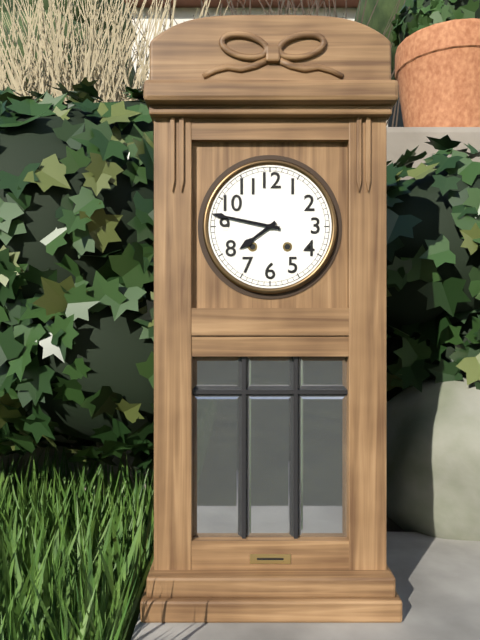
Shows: {"hour": 7, "minute": 47}
